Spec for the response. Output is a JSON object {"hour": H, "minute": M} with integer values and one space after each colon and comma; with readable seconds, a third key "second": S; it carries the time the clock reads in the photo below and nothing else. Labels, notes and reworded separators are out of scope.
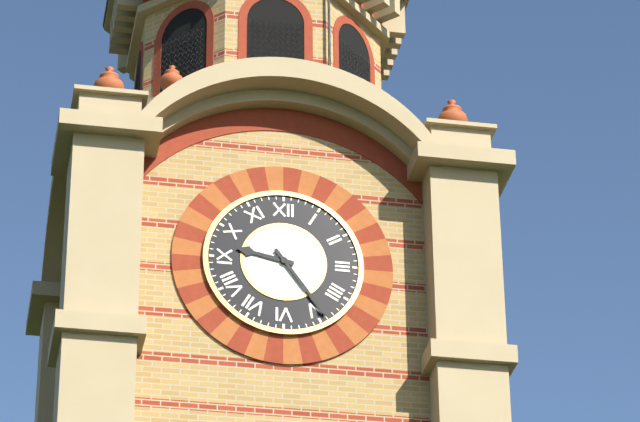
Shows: {"hour": 9, "minute": 24}
